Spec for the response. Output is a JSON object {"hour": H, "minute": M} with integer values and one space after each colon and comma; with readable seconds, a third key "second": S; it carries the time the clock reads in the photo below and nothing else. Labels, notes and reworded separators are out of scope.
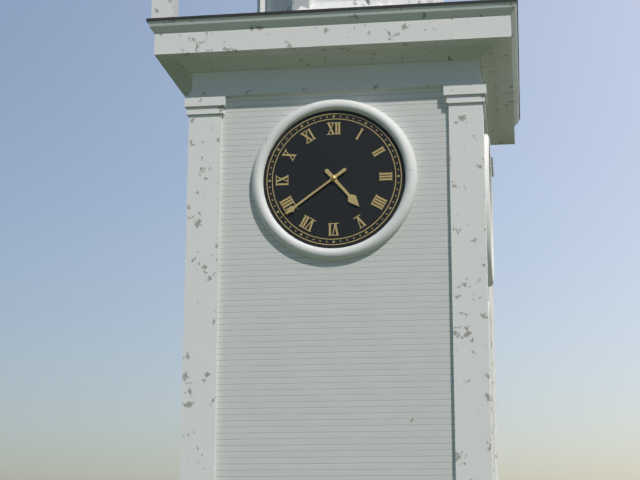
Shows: {"hour": 4, "minute": 39}
